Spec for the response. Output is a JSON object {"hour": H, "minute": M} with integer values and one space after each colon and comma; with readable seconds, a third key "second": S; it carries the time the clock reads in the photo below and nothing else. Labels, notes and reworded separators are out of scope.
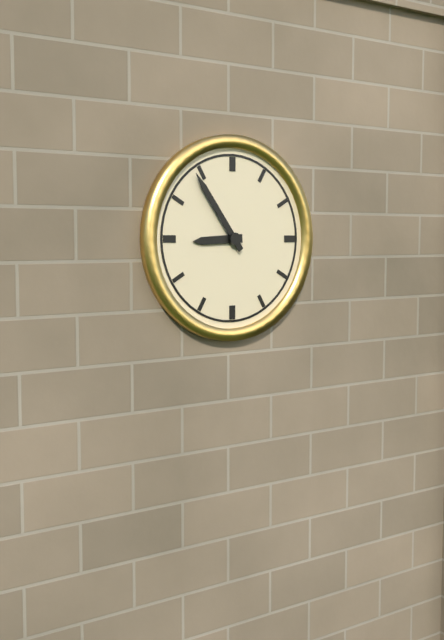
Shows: {"hour": 8, "minute": 54}
